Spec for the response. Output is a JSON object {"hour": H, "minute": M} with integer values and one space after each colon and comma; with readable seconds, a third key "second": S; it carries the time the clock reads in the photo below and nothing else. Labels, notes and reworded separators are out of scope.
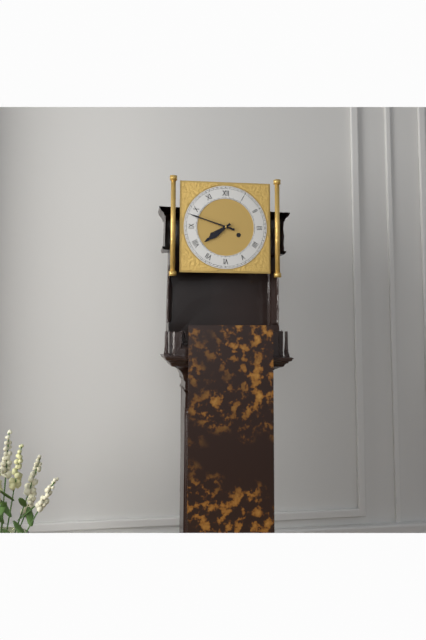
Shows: {"hour": 7, "minute": 48}
